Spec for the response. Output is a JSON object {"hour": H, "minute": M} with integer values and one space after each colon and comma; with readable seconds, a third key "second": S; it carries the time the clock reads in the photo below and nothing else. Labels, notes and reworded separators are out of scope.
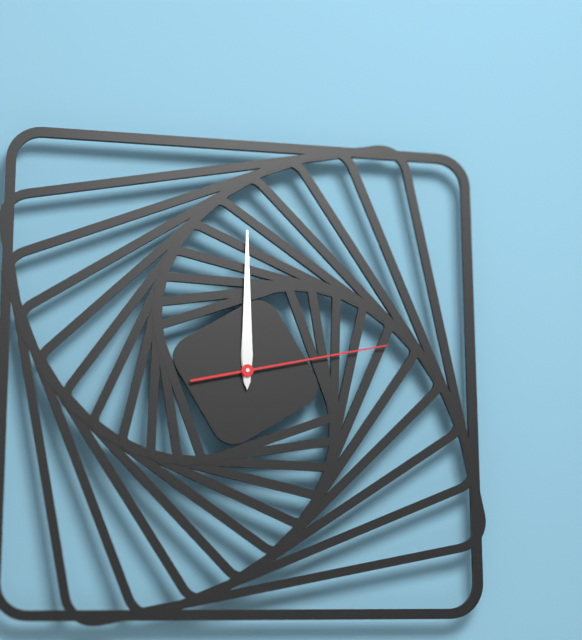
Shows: {"hour": 12, "minute": 0, "second": 13}
